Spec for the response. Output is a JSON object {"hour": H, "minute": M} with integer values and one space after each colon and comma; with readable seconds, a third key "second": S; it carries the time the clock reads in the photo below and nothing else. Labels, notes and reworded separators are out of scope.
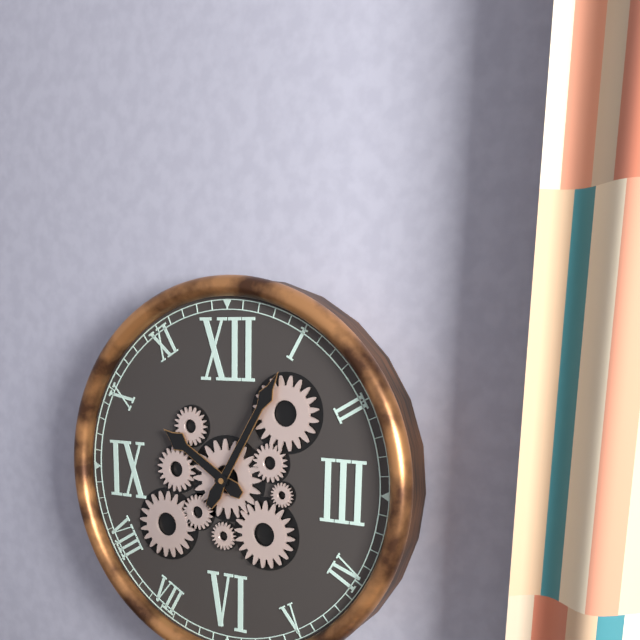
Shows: {"hour": 10, "minute": 5}
